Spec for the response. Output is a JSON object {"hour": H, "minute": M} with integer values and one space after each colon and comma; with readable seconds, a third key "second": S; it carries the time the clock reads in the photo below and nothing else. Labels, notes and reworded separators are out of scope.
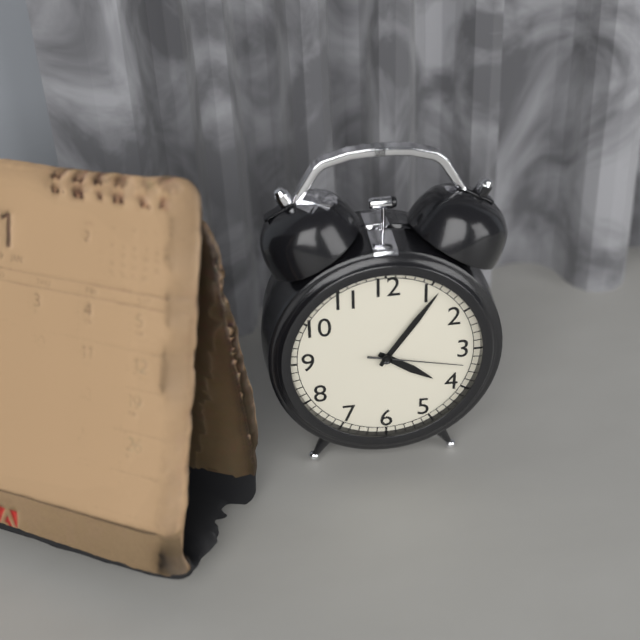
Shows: {"hour": 4, "minute": 6, "second": 17}
